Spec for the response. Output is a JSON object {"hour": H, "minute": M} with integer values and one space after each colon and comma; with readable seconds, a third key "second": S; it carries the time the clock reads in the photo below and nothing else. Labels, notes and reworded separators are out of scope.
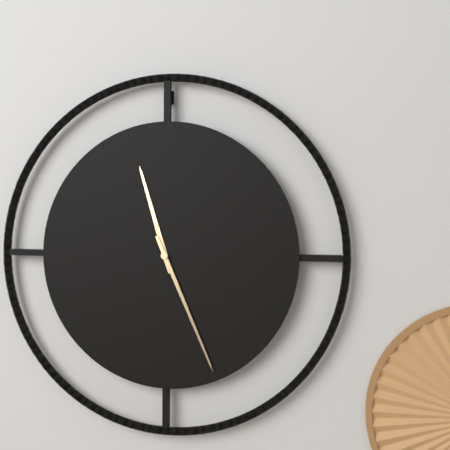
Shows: {"hour": 11, "minute": 26}
